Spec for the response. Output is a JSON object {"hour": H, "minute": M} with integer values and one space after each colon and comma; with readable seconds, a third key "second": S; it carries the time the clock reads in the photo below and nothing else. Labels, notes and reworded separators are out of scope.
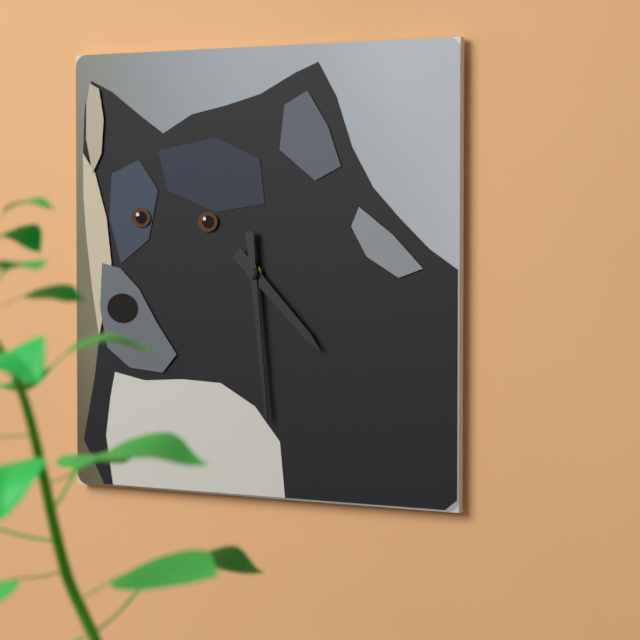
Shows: {"hour": 4, "minute": 29}
